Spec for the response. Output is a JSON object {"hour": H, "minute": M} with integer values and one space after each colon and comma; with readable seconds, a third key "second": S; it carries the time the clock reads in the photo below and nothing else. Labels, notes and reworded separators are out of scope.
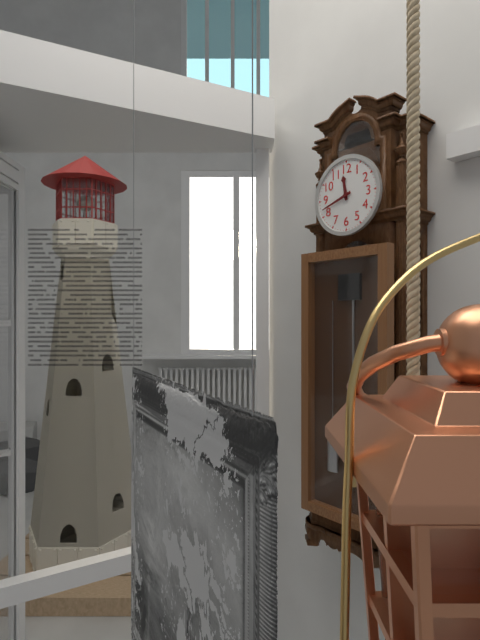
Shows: {"hour": 11, "minute": 42}
